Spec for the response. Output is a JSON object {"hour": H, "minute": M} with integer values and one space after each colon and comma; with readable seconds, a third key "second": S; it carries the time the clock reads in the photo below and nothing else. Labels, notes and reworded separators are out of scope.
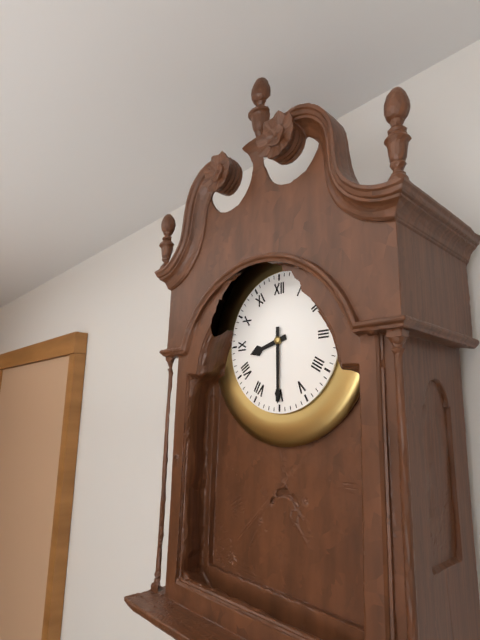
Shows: {"hour": 8, "minute": 30}
